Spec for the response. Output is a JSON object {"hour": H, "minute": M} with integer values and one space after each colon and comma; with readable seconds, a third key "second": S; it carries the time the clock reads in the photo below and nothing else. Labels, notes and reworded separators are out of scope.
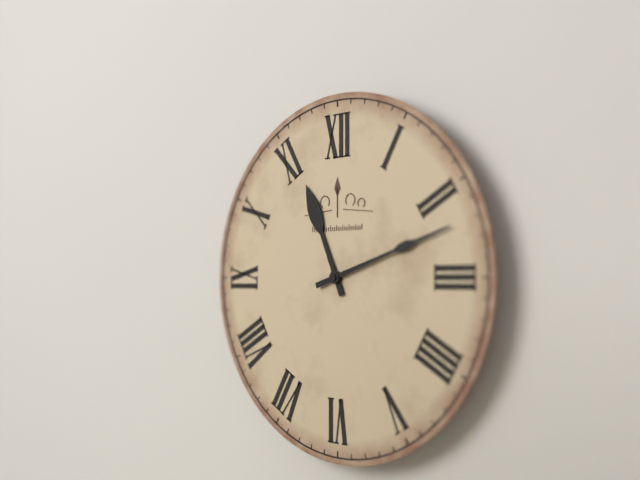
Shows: {"hour": 11, "minute": 12}
